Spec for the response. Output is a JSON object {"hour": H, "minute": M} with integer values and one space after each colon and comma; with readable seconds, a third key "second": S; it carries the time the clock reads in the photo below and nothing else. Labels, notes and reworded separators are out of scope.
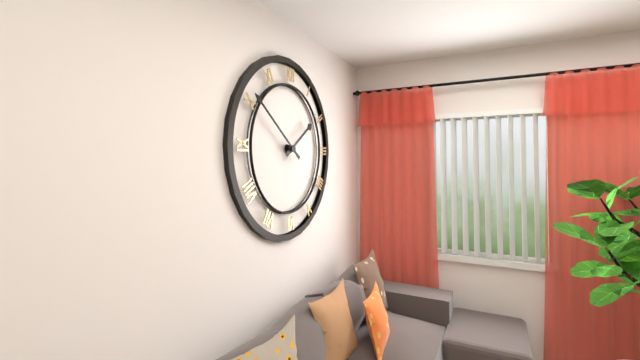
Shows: {"hour": 1, "minute": 51}
